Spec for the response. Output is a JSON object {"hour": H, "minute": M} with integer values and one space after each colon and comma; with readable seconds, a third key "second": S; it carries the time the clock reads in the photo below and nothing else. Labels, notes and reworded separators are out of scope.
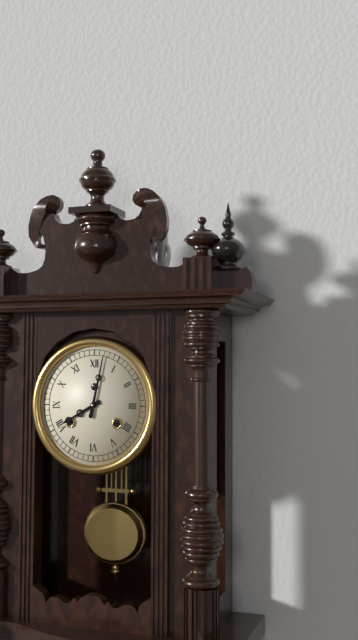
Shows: {"hour": 8, "minute": 2}
